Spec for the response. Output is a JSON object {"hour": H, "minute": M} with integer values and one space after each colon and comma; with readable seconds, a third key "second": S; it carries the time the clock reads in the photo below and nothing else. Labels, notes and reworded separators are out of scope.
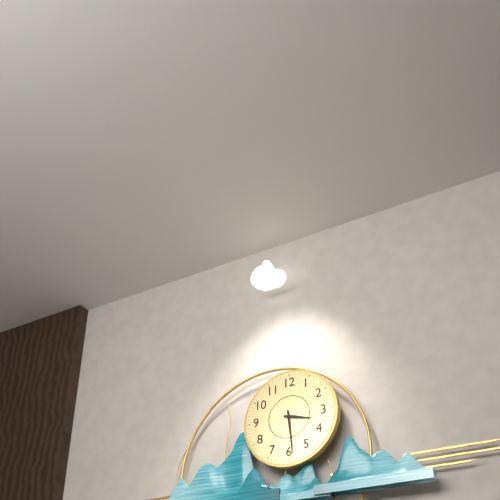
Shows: {"hour": 3, "minute": 29}
